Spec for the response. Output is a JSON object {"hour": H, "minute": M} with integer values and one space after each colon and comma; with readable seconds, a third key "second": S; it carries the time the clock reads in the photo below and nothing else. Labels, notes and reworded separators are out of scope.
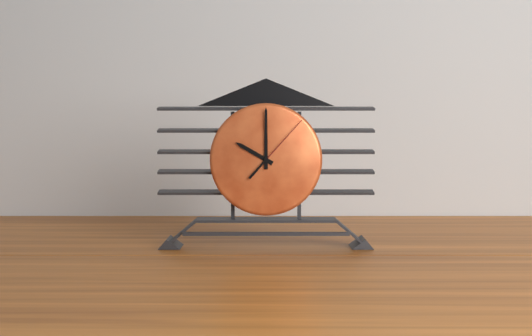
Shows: {"hour": 10, "minute": 0, "second": 7}
